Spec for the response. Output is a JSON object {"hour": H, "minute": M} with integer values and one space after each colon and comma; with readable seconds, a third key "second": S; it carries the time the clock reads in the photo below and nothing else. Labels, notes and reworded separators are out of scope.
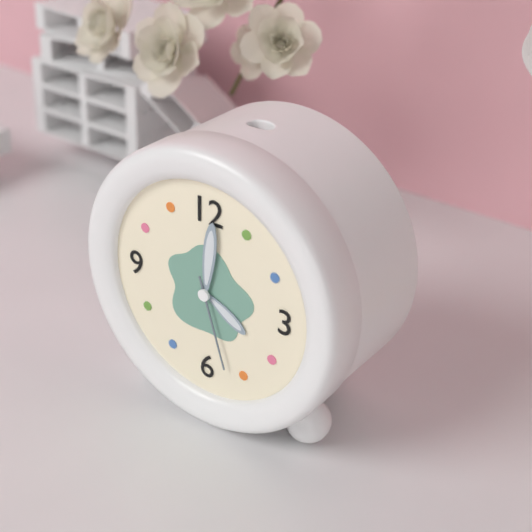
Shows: {"hour": 4, "minute": 1, "second": 27}
